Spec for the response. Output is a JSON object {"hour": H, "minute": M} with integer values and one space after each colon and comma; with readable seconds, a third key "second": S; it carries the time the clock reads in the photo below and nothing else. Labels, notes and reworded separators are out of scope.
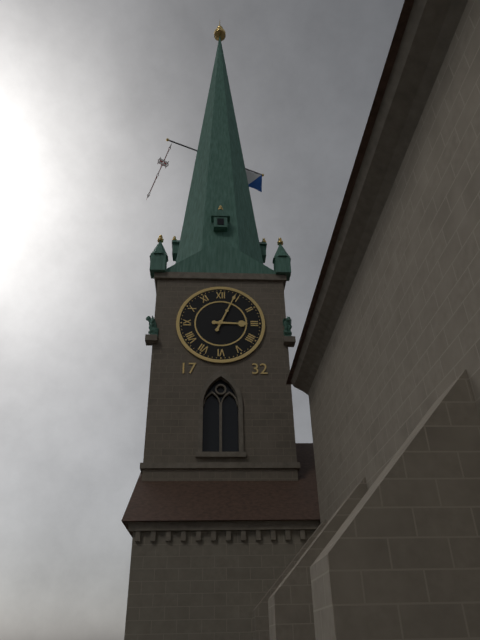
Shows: {"hour": 3, "minute": 4}
